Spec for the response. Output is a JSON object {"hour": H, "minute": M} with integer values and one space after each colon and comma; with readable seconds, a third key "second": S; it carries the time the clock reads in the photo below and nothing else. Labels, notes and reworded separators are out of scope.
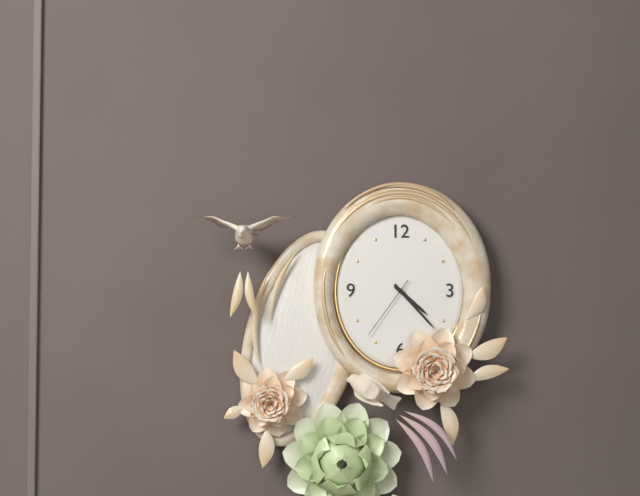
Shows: {"hour": 4, "minute": 23, "second": 36}
